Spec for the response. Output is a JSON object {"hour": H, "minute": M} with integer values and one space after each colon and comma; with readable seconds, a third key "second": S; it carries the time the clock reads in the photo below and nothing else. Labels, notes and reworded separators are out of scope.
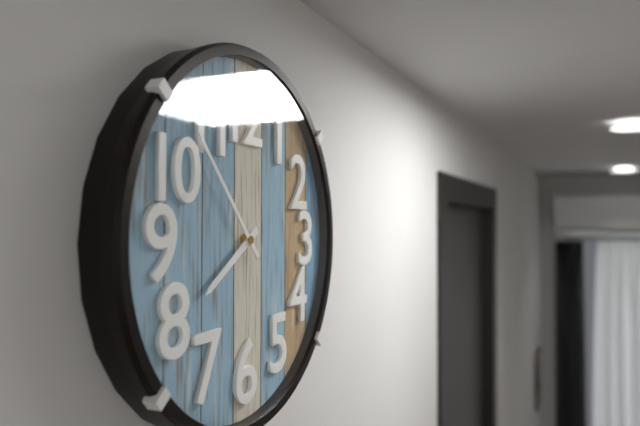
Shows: {"hour": 7, "minute": 53}
